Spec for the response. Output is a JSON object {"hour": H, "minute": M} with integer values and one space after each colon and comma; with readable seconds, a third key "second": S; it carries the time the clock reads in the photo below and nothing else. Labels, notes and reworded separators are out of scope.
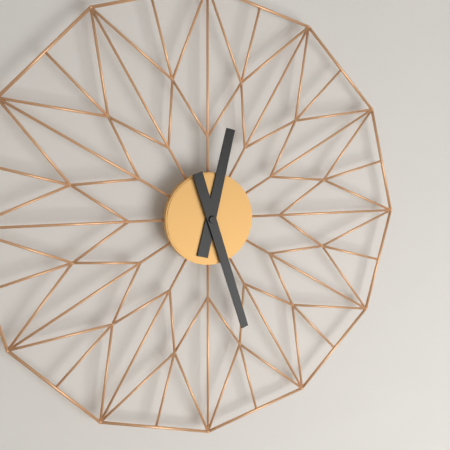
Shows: {"hour": 12, "minute": 27}
